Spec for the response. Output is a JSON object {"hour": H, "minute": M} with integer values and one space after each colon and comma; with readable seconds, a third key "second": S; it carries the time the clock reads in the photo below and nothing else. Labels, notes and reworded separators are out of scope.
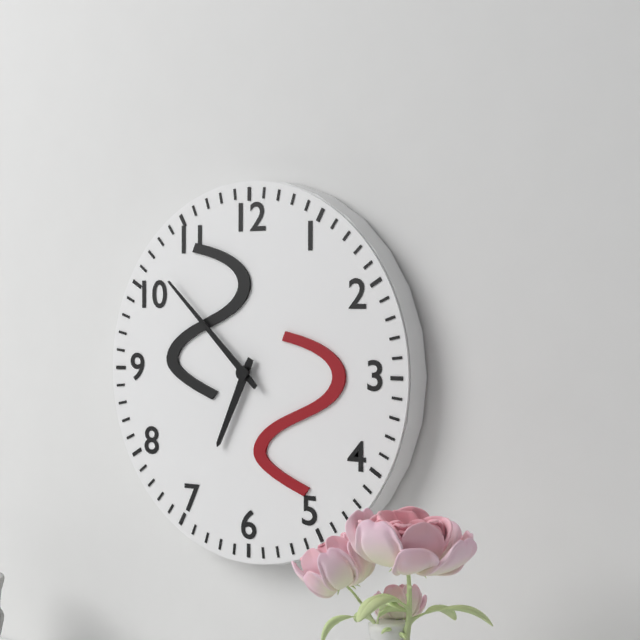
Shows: {"hour": 6, "minute": 52}
